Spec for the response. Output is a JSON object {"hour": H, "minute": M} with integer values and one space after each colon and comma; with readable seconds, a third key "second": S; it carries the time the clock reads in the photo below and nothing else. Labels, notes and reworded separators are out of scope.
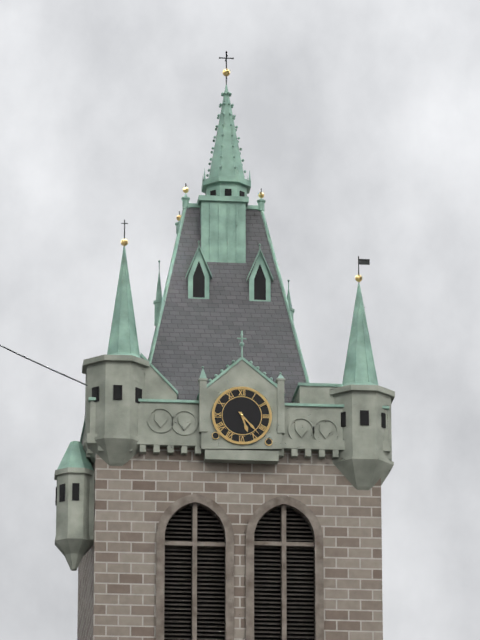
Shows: {"hour": 5, "minute": 23}
